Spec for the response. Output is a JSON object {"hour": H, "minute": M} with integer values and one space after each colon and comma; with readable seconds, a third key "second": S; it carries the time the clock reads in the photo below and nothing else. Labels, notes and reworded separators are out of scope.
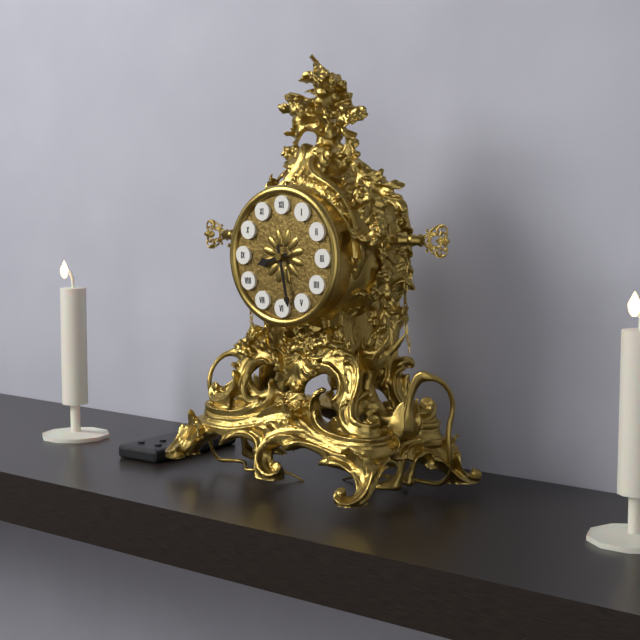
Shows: {"hour": 8, "minute": 28}
